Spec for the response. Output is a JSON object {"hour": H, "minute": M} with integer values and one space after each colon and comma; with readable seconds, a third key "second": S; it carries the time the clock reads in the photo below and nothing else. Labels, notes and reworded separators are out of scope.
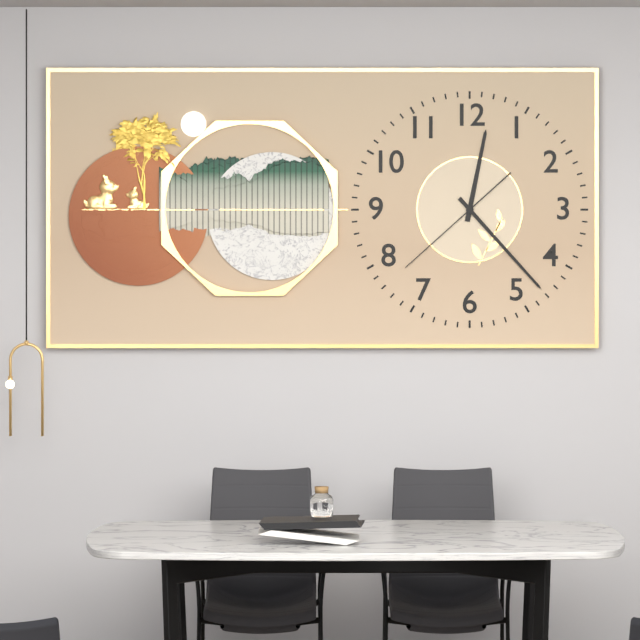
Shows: {"hour": 12, "minute": 23, "second": 38}
